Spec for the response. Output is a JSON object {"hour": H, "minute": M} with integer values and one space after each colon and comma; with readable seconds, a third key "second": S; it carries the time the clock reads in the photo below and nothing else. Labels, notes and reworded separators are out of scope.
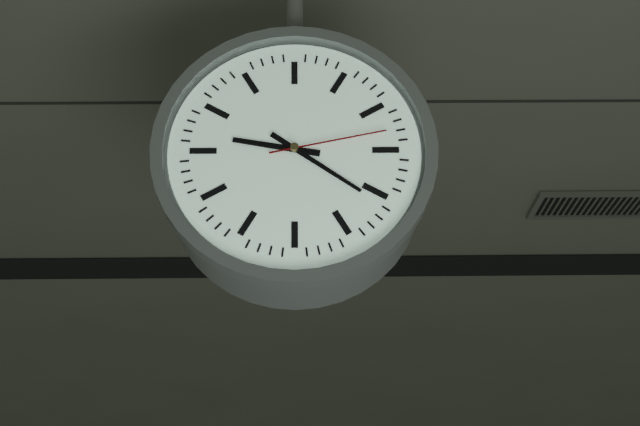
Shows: {"hour": 9, "minute": 21, "second": 13}
